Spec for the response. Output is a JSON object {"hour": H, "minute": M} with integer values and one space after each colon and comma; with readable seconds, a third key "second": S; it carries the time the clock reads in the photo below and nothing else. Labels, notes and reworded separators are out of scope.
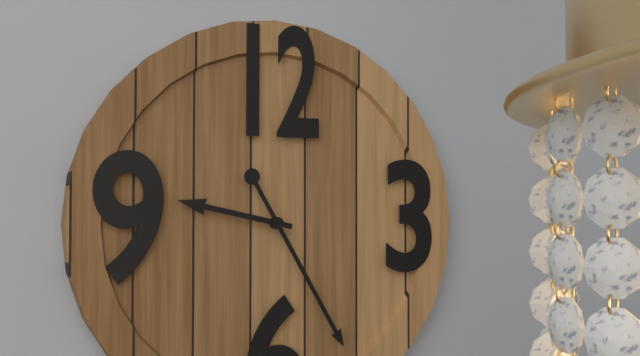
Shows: {"hour": 9, "minute": 25}
